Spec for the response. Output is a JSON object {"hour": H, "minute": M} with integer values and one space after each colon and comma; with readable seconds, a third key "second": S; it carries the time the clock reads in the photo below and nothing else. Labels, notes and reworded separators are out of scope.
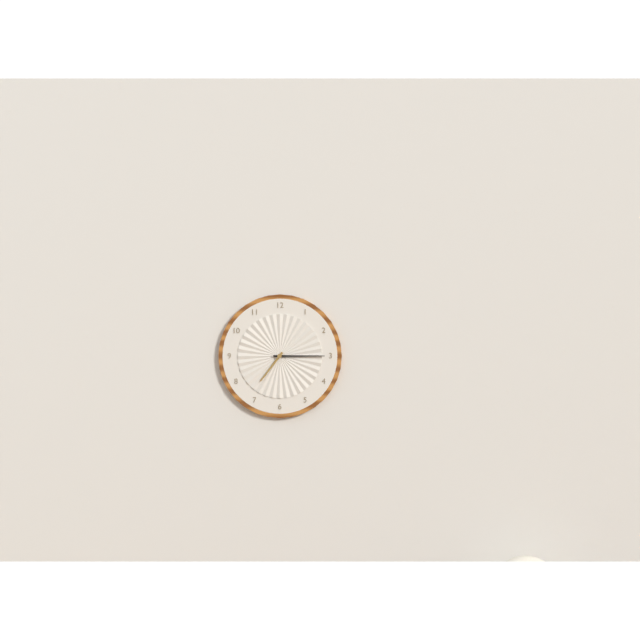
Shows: {"hour": 7, "minute": 15}
